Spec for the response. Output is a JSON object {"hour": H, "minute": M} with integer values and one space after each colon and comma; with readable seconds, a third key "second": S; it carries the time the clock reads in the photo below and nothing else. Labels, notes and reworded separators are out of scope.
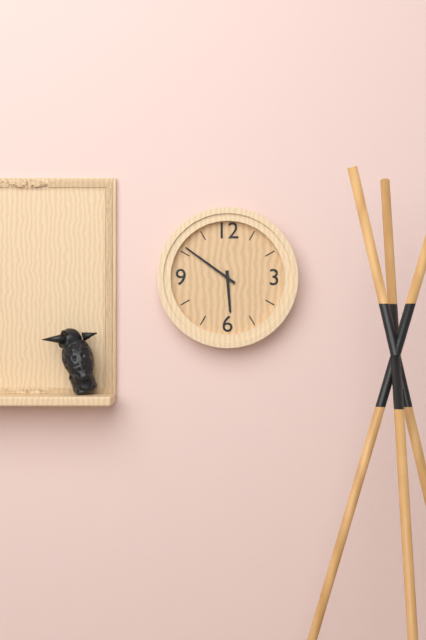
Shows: {"hour": 5, "minute": 51}
